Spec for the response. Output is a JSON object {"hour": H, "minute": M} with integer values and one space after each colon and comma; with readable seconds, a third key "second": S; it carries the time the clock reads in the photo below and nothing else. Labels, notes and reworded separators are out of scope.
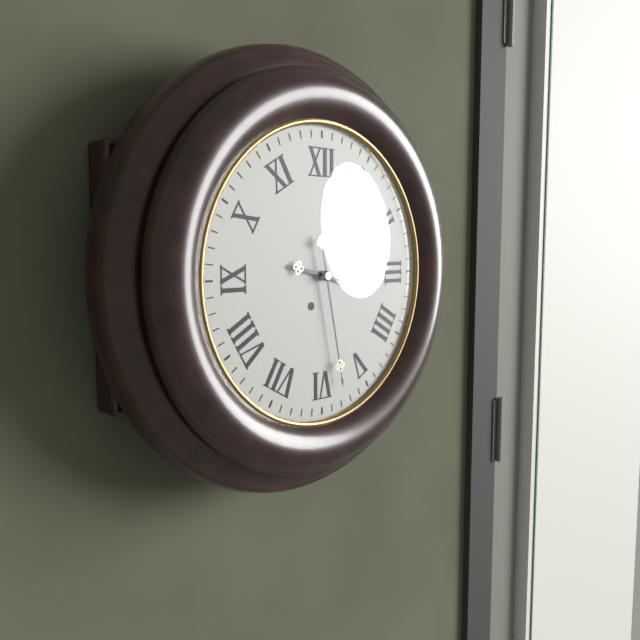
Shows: {"hour": 3, "minute": 28}
